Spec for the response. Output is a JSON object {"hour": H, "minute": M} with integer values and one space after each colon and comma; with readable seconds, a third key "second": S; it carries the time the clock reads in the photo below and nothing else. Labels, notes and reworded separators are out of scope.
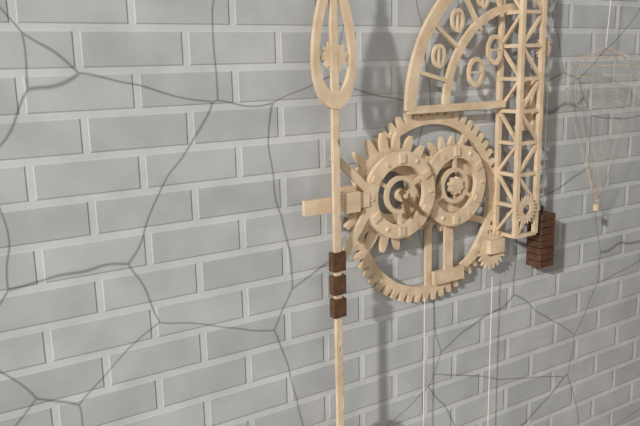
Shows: {"hour": 5, "minute": 22}
